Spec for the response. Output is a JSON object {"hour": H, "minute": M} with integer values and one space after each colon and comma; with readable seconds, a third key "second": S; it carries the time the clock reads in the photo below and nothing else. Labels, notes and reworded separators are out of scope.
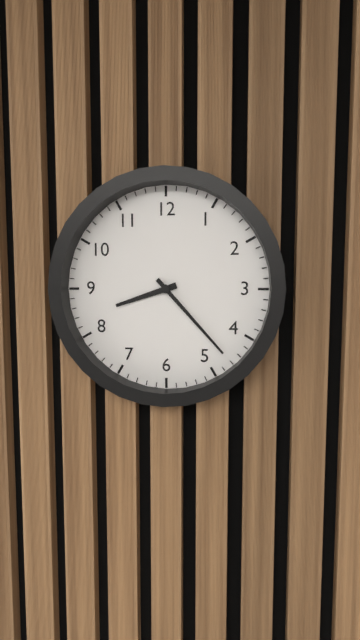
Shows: {"hour": 8, "minute": 23}
